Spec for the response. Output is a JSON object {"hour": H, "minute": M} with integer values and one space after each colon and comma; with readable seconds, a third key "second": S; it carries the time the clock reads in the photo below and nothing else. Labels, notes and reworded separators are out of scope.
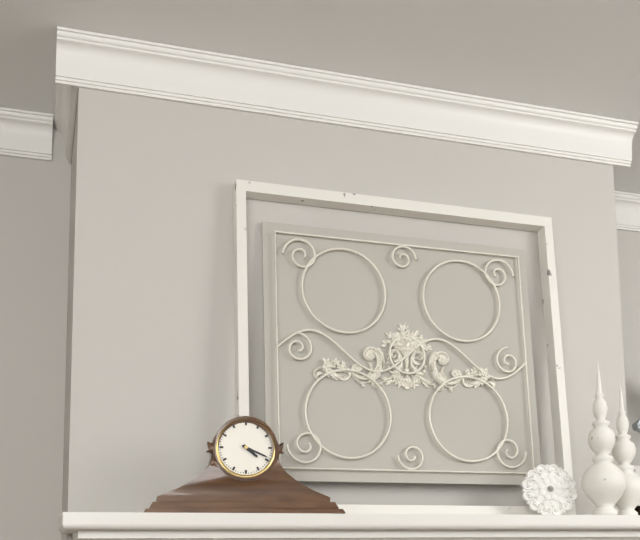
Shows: {"hour": 4, "minute": 19}
